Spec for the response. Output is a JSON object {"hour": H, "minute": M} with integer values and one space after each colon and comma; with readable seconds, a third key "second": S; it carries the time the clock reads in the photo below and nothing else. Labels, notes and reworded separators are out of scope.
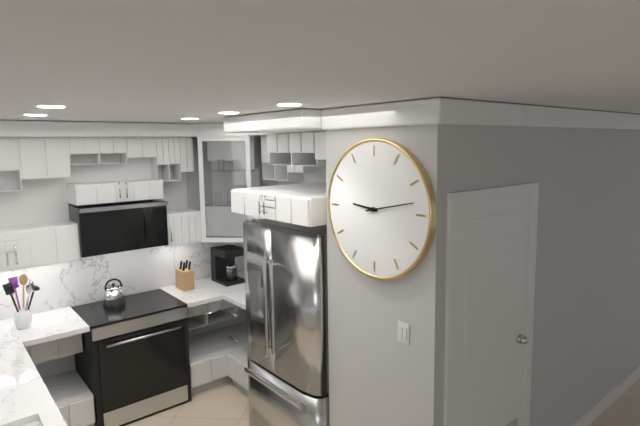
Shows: {"hour": 9, "minute": 13}
